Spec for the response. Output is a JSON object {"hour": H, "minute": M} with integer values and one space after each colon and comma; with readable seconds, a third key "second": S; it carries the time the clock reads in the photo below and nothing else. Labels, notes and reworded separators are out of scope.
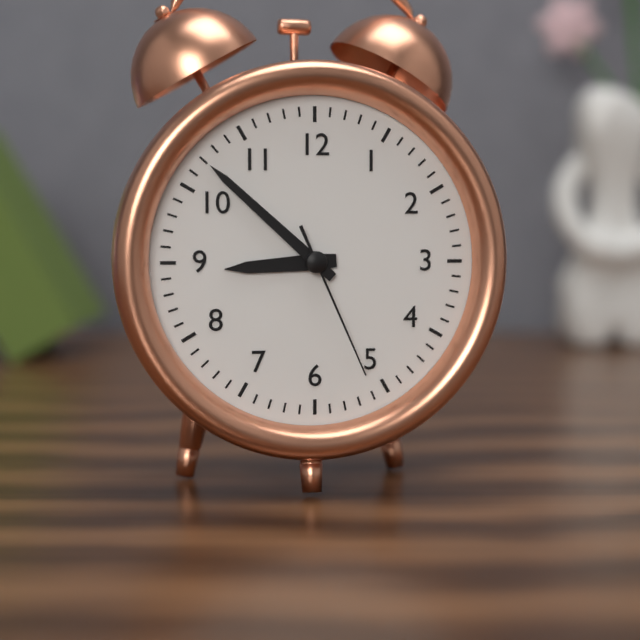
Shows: {"hour": 8, "minute": 52, "second": 26}
